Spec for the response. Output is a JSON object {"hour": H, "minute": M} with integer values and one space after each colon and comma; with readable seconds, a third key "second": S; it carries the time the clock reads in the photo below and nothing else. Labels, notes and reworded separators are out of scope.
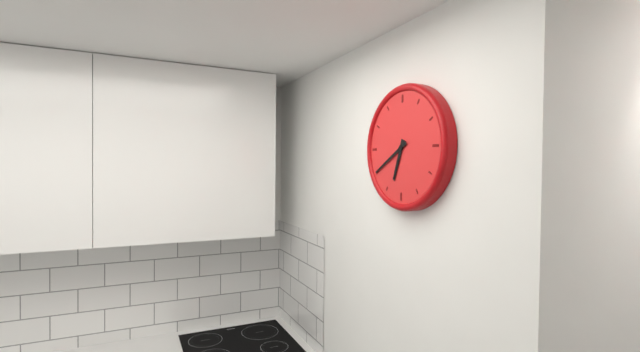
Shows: {"hour": 6, "minute": 40}
